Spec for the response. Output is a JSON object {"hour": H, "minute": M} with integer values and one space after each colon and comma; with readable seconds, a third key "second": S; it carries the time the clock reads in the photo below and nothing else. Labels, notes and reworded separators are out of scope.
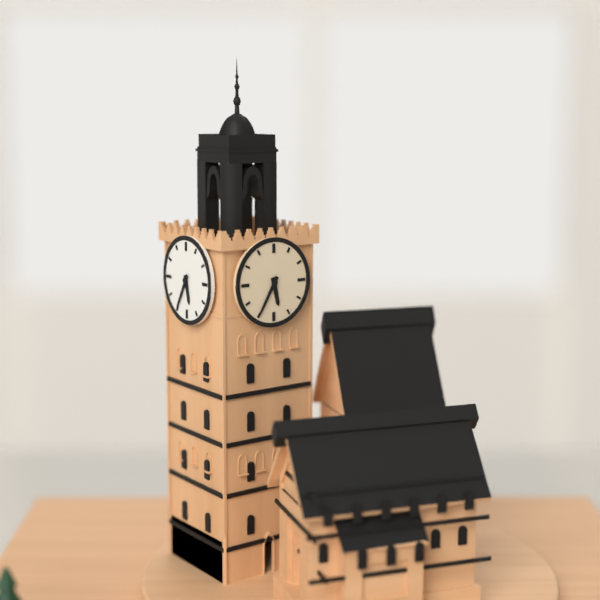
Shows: {"hour": 5, "minute": 35}
